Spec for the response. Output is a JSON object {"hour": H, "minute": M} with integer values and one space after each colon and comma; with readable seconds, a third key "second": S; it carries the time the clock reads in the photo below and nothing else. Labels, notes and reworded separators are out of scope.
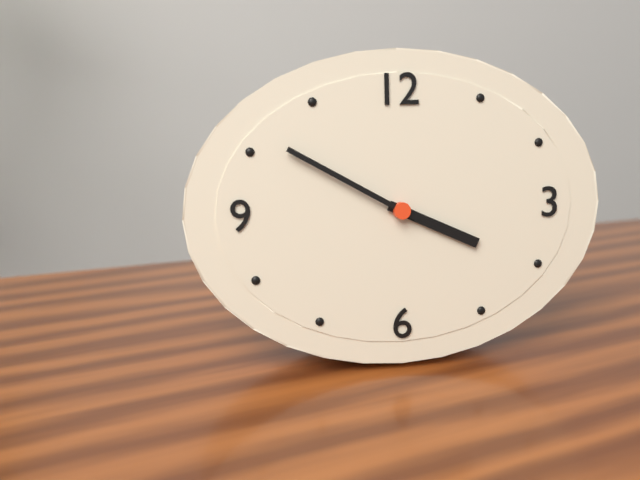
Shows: {"hour": 3, "minute": 50}
